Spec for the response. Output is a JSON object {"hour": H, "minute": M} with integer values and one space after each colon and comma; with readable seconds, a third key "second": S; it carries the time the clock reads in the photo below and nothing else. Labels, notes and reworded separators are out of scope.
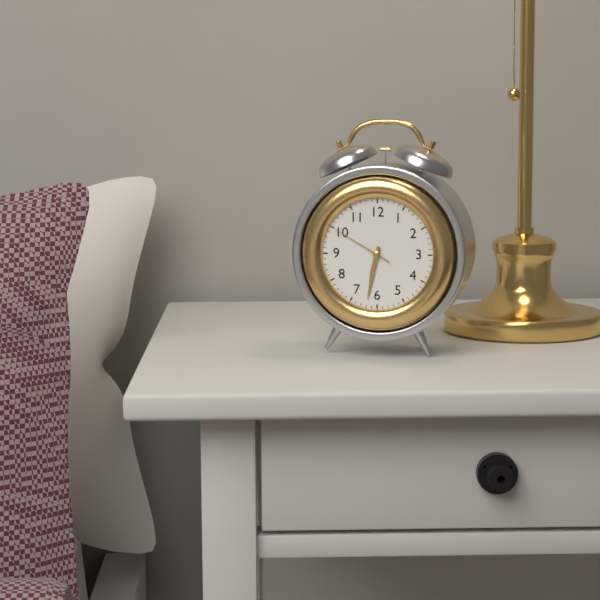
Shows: {"hour": 6, "minute": 32, "second": 50}
